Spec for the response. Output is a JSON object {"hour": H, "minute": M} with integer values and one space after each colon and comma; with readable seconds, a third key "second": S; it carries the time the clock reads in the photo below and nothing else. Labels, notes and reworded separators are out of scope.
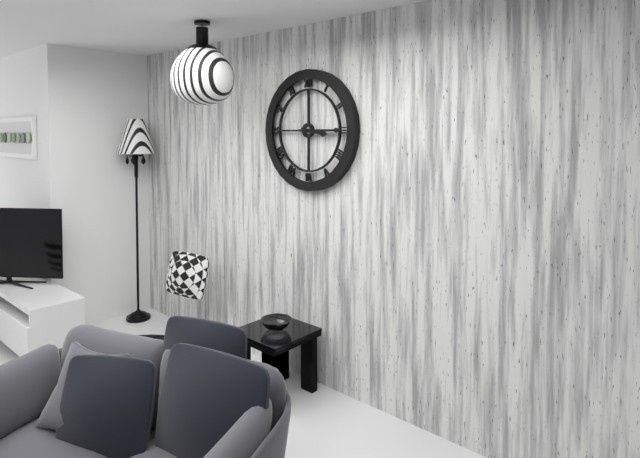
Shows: {"hour": 3, "minute": 15}
